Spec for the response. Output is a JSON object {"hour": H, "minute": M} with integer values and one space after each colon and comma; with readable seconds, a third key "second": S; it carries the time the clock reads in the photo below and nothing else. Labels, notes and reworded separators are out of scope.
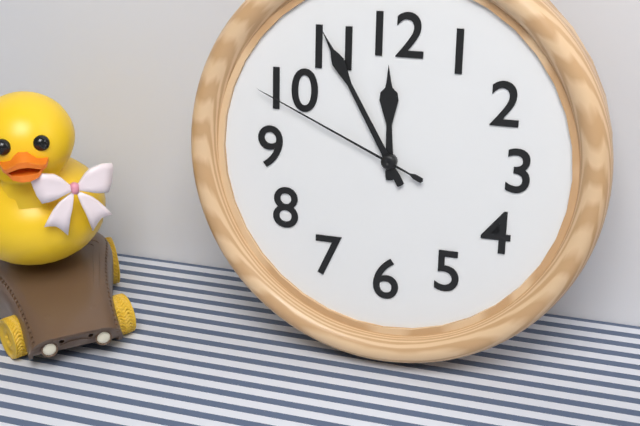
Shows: {"hour": 11, "minute": 55, "second": 49}
